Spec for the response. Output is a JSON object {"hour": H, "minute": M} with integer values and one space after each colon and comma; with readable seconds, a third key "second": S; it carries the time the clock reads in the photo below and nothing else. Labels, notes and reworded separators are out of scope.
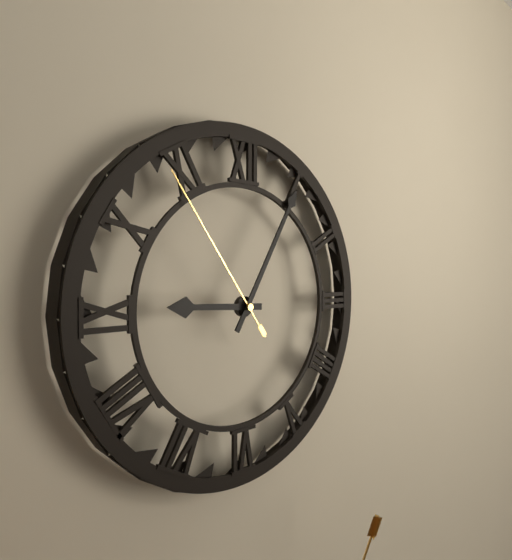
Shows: {"hour": 9, "minute": 5, "second": 54}
